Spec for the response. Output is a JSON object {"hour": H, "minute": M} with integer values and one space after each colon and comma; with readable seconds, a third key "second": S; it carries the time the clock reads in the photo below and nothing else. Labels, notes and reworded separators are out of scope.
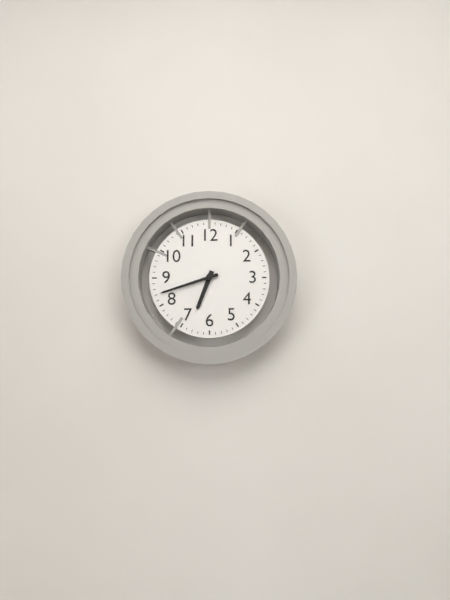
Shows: {"hour": 6, "minute": 42}
